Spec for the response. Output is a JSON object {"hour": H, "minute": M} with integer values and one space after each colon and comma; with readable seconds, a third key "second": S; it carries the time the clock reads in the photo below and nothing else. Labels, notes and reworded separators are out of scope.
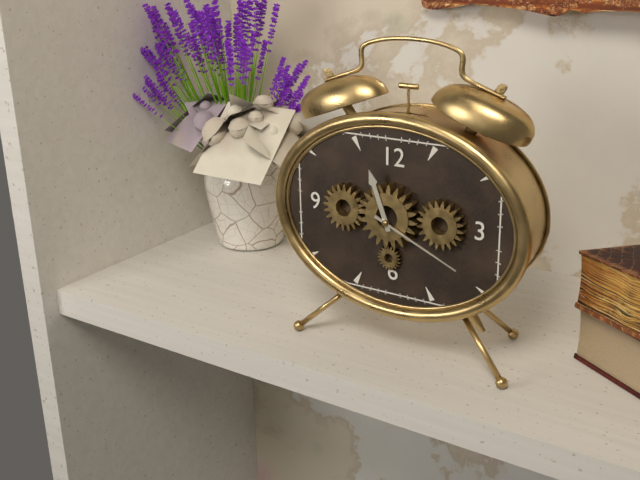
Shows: {"hour": 11, "minute": 19}
